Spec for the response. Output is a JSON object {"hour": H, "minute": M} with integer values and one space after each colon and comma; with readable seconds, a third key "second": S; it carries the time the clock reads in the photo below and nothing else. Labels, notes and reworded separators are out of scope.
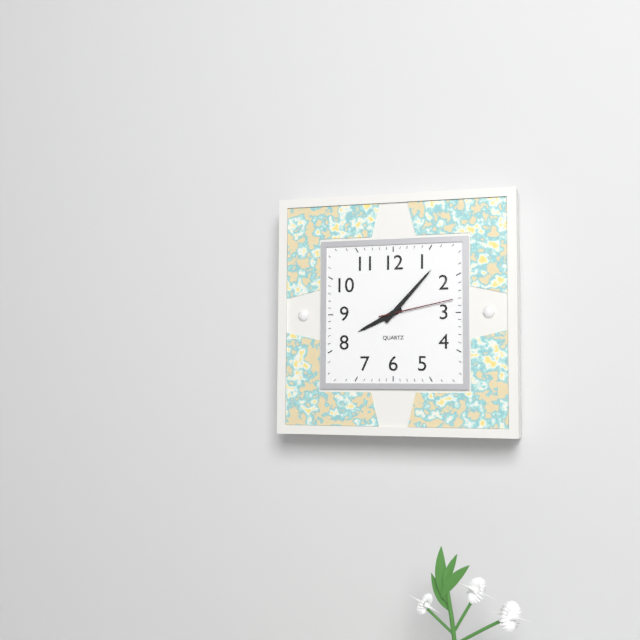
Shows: {"hour": 8, "minute": 7, "second": 13}
